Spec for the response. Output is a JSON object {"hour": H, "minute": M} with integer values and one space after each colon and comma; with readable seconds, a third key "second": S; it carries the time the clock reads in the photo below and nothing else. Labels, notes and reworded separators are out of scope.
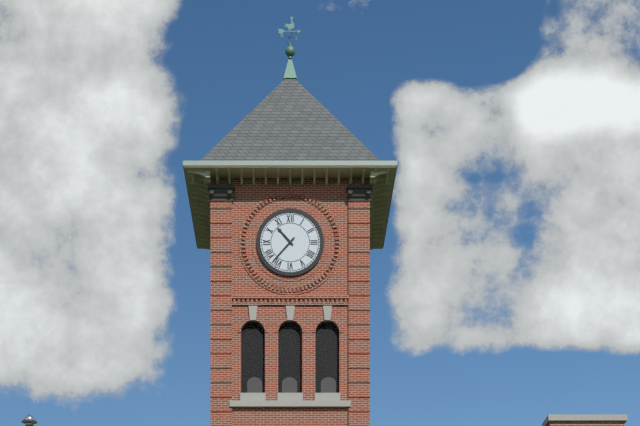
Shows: {"hour": 10, "minute": 37}
